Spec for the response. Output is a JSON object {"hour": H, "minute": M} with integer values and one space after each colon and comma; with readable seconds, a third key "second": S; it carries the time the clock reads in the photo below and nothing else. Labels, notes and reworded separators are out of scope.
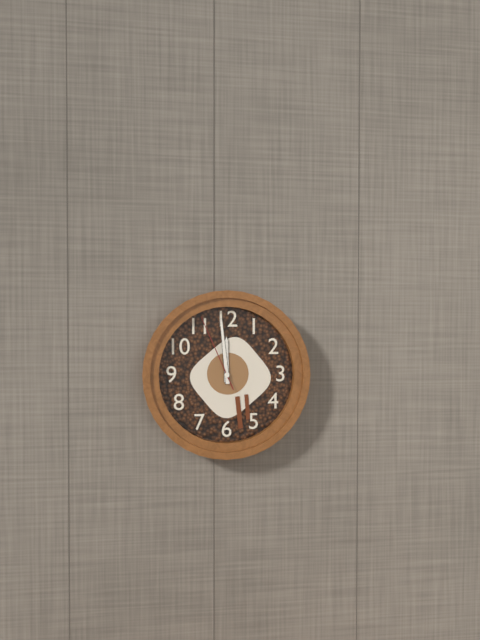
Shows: {"hour": 11, "minute": 59, "second": 56}
